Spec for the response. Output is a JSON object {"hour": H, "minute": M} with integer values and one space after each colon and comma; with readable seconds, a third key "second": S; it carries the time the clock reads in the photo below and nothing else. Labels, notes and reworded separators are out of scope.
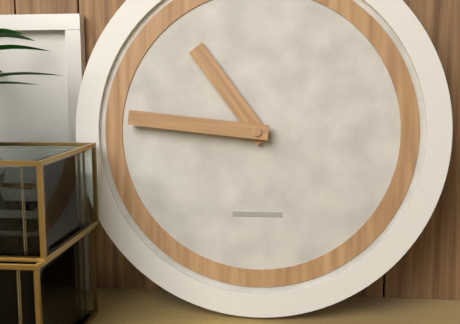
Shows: {"hour": 10, "minute": 46}
